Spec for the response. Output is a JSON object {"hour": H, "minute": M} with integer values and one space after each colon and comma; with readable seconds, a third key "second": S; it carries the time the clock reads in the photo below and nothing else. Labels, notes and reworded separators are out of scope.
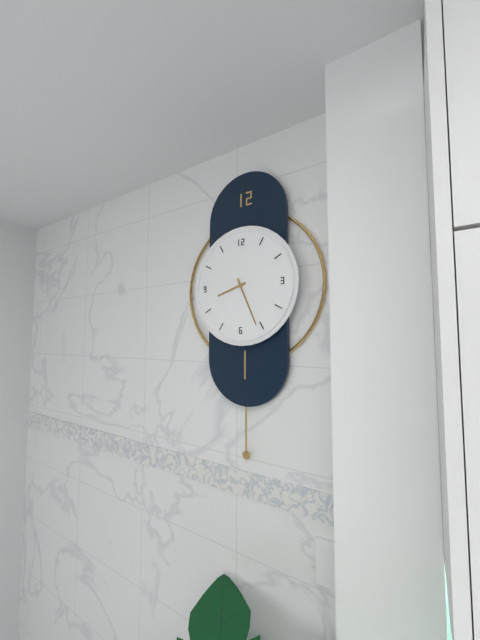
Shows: {"hour": 8, "minute": 26}
